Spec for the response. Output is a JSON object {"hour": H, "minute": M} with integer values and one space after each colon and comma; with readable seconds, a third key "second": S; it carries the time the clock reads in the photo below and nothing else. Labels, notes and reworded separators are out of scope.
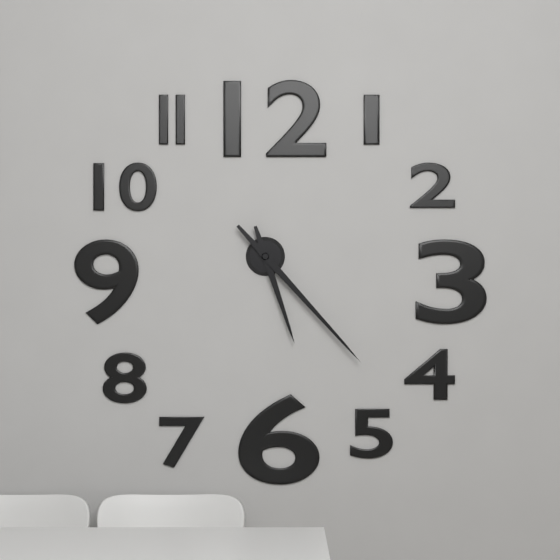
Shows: {"hour": 5, "minute": 23}
